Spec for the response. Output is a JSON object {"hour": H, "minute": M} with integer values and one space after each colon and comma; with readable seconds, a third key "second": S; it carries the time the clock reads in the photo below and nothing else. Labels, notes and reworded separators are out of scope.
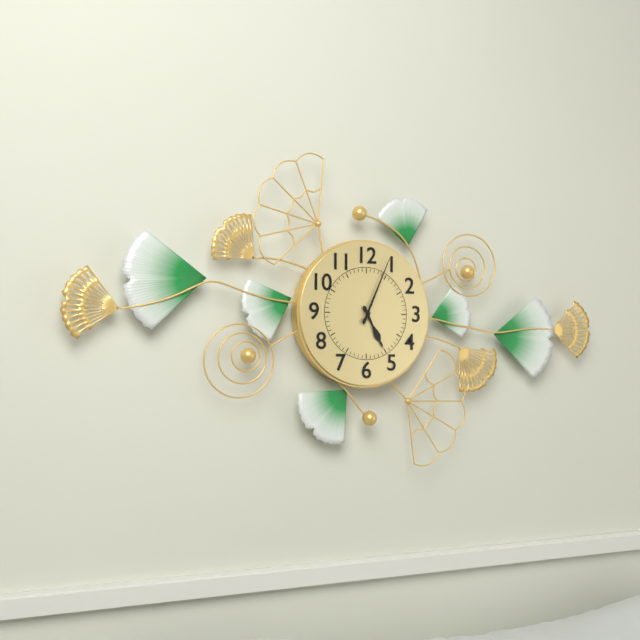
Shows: {"hour": 5, "minute": 4}
